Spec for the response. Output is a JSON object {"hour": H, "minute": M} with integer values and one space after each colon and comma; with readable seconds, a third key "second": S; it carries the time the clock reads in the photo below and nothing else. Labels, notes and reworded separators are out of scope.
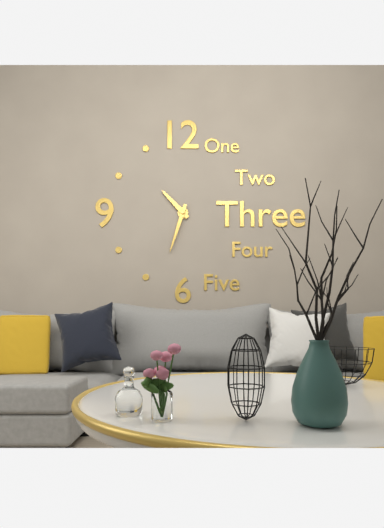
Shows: {"hour": 10, "minute": 33}
